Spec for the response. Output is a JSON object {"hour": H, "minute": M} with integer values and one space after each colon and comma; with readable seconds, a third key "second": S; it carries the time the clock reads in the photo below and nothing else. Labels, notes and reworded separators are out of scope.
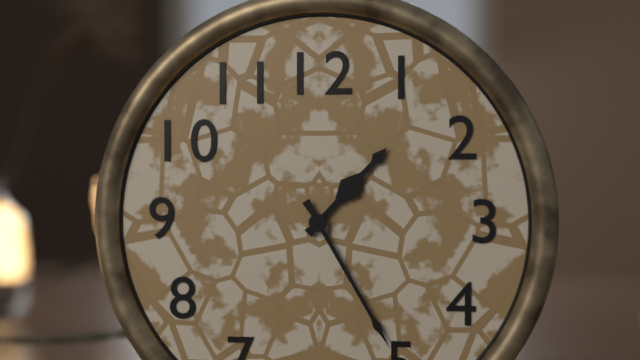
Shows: {"hour": 1, "minute": 25}
